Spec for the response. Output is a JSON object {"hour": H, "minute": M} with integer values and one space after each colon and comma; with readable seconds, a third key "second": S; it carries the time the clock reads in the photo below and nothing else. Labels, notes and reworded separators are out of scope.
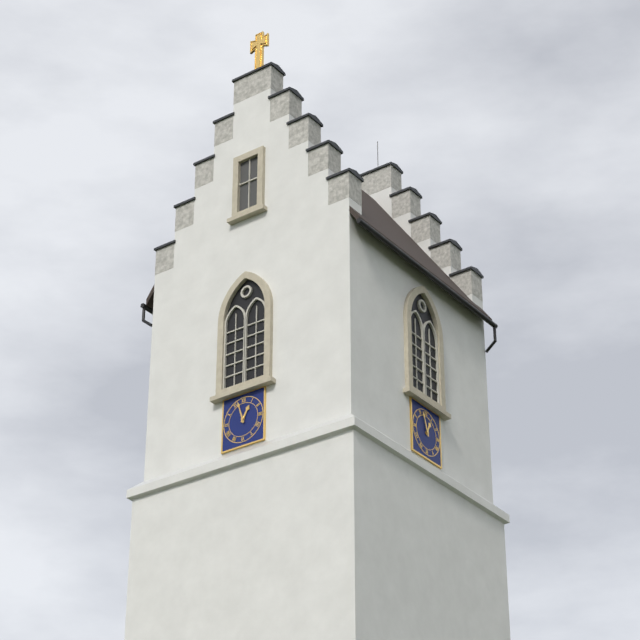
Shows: {"hour": 12, "minute": 57}
